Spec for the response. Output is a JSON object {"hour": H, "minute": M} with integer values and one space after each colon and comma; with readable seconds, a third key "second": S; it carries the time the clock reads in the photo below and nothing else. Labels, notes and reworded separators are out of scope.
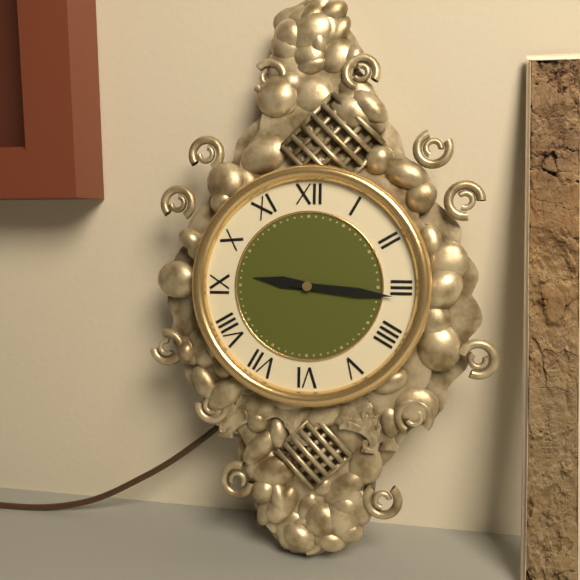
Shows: {"hour": 9, "minute": 16}
